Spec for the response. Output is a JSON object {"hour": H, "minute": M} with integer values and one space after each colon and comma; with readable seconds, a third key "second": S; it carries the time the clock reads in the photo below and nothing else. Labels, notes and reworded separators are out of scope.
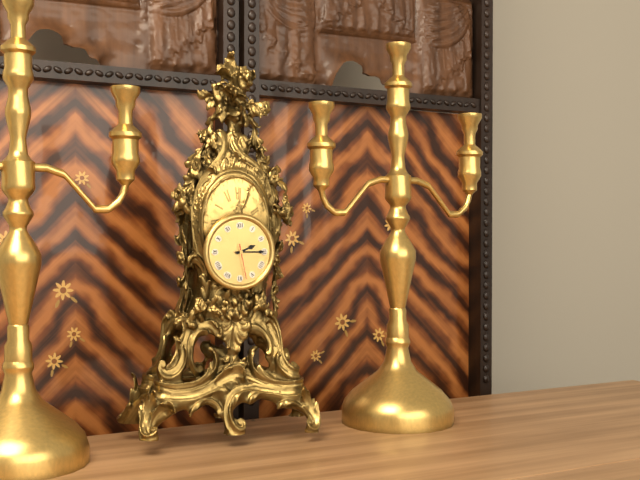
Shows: {"hour": 2, "minute": 15}
